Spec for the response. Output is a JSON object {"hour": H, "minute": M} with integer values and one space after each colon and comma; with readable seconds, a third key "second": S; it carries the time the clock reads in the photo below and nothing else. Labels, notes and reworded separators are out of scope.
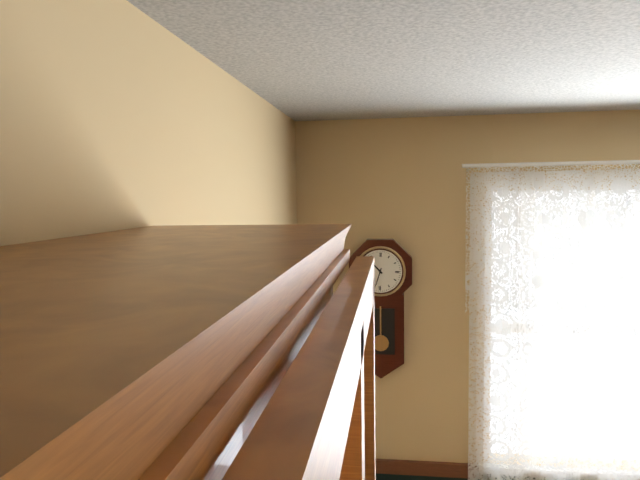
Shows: {"hour": 10, "minute": 33}
